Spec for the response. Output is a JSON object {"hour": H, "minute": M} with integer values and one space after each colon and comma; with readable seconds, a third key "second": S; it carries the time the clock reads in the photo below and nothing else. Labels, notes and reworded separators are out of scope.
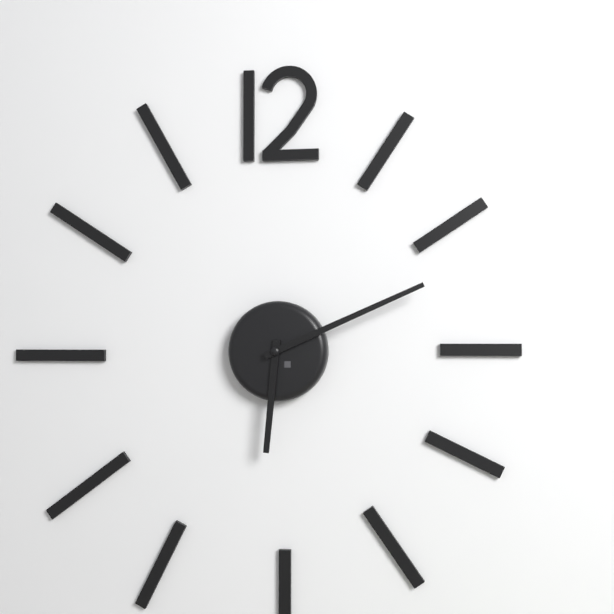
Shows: {"hour": 6, "minute": 11}
